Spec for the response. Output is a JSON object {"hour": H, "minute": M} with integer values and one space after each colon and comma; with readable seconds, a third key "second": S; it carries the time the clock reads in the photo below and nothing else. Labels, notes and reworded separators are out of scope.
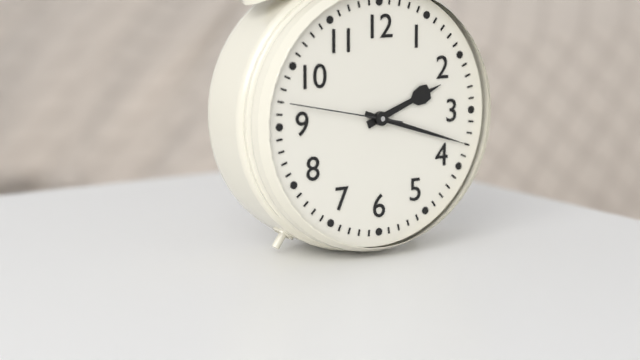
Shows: {"hour": 2, "minute": 18, "second": 47}
